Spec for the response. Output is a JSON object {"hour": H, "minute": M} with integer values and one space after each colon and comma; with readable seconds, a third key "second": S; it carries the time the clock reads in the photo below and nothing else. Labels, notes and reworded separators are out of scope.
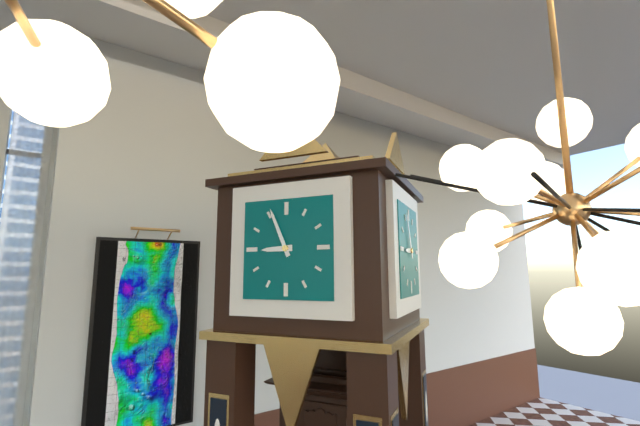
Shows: {"hour": 8, "minute": 56}
